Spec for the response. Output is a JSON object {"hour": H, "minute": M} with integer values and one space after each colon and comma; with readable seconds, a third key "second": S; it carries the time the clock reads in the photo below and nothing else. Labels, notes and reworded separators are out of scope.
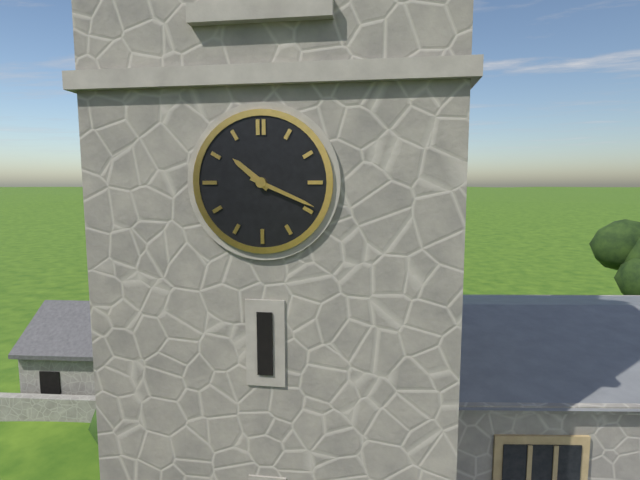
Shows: {"hour": 10, "minute": 19}
